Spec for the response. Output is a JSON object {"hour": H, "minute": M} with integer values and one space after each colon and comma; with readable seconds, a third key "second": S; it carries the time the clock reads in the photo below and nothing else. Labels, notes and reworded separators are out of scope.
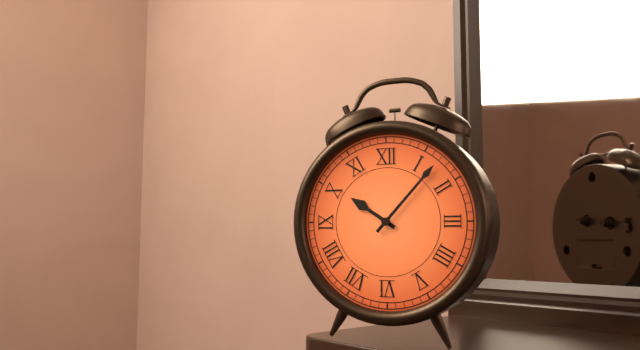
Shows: {"hour": 10, "minute": 7}
